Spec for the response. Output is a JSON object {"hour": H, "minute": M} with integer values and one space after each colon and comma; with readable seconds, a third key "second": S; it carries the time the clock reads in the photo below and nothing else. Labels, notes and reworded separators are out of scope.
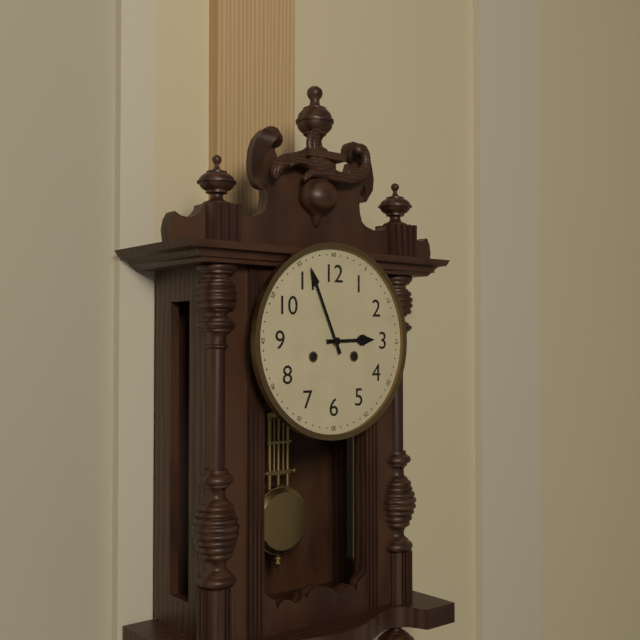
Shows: {"hour": 2, "minute": 56}
